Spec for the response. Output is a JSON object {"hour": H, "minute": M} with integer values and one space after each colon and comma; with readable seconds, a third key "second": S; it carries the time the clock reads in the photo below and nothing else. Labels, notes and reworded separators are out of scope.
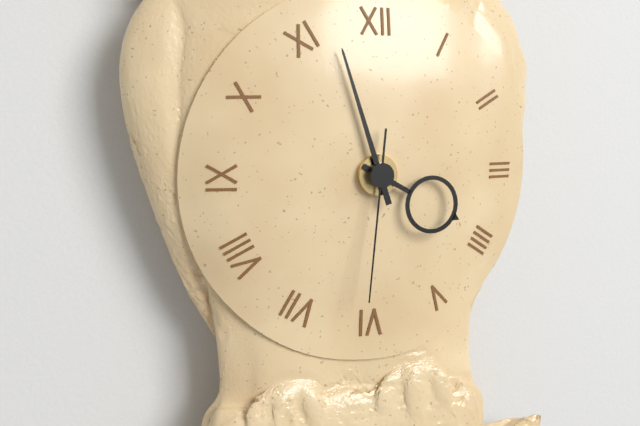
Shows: {"hour": 3, "minute": 57, "second": 31}
